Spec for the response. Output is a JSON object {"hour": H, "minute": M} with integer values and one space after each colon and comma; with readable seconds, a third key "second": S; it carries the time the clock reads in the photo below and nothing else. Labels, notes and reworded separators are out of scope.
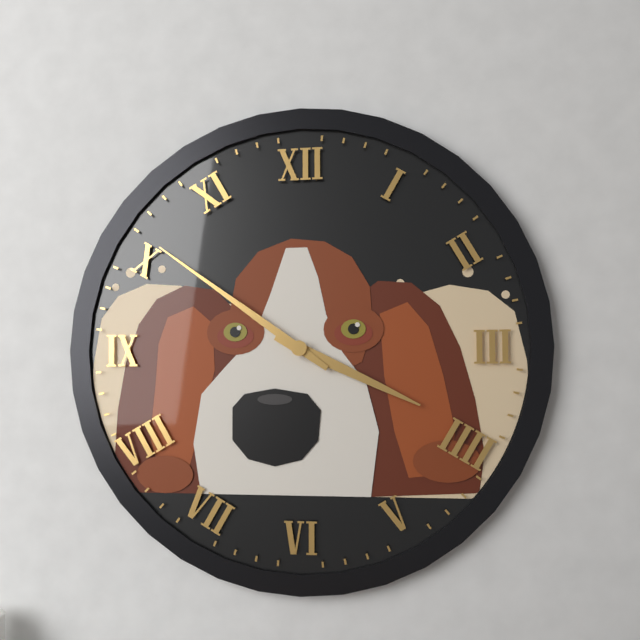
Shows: {"hour": 3, "minute": 51}
